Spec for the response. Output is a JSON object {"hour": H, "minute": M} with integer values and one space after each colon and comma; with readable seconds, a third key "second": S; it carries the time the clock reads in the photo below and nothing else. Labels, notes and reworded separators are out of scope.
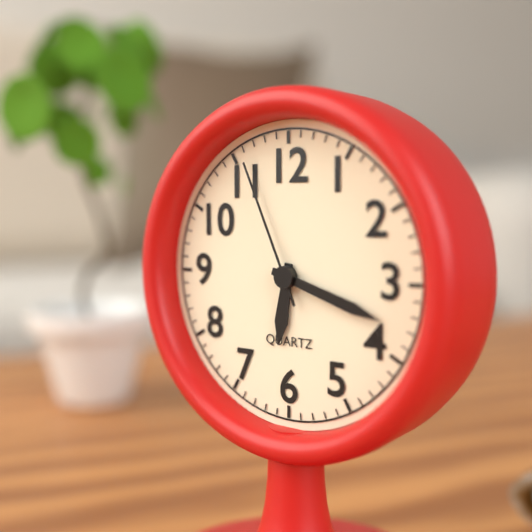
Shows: {"hour": 6, "minute": 18, "second": 56}
